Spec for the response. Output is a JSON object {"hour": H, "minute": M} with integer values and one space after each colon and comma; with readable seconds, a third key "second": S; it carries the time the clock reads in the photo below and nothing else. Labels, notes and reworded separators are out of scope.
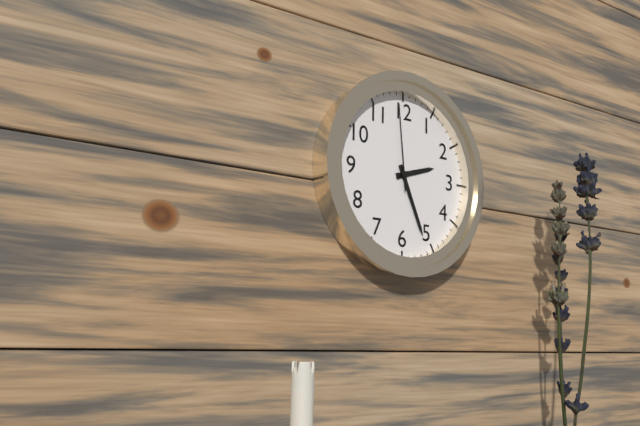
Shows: {"hour": 2, "minute": 26, "second": 59}
